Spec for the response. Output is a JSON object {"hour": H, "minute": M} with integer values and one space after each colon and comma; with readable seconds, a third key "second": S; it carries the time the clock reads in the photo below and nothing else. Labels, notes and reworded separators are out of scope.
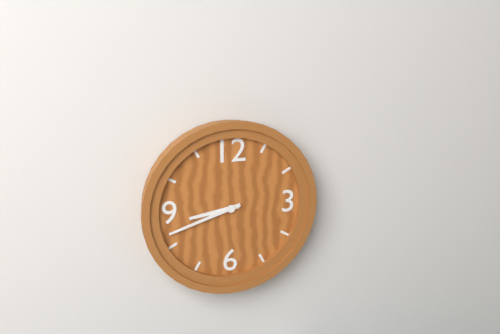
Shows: {"hour": 8, "minute": 42}
